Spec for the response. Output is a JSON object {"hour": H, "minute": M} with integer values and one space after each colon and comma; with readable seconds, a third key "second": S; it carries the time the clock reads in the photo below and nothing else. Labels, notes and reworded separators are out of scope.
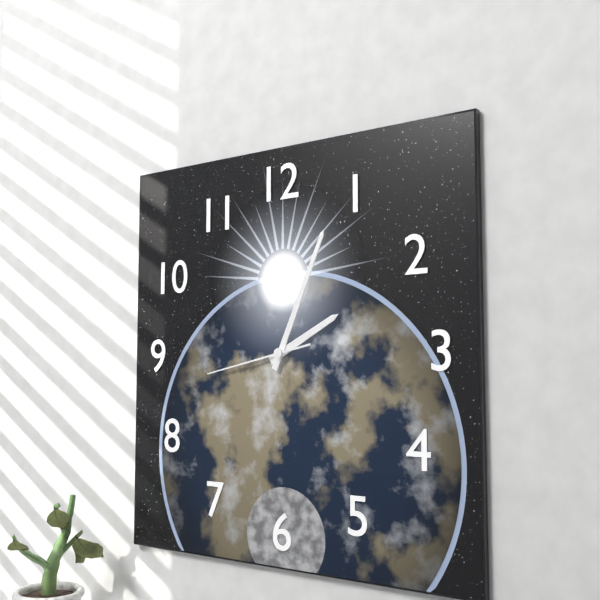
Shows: {"hour": 2, "minute": 4, "second": 43}
